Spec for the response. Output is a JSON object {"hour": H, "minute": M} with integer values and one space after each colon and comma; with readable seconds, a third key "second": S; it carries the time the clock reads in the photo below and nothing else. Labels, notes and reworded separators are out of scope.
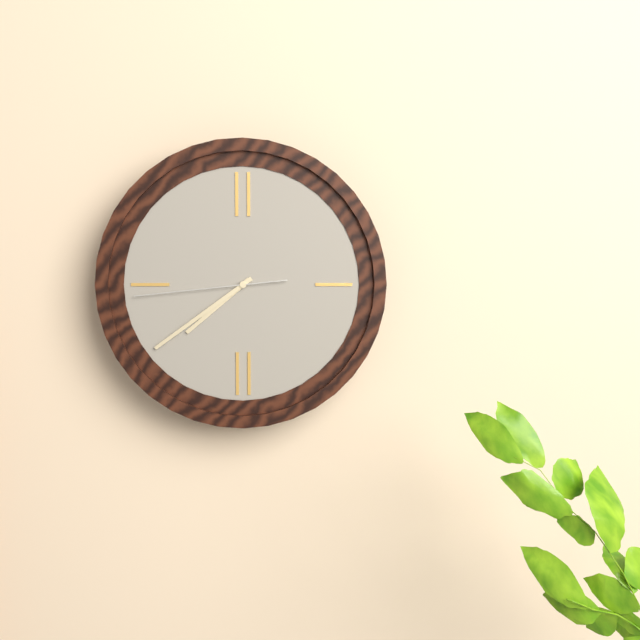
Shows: {"hour": 7, "minute": 39, "second": 44}
